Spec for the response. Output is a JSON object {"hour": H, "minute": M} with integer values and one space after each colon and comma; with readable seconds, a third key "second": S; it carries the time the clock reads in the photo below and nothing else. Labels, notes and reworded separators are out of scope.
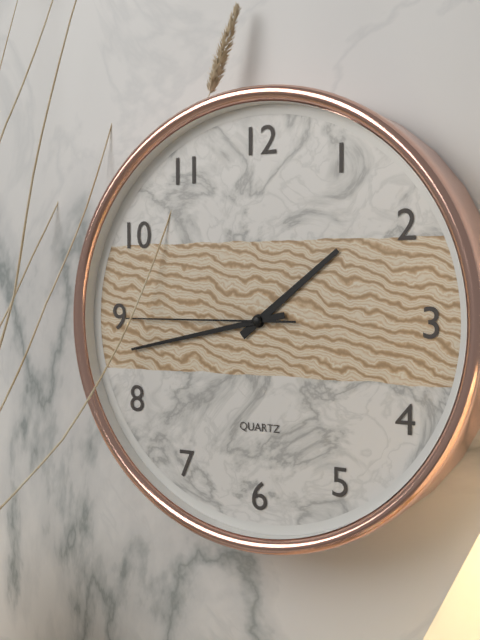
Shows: {"hour": 1, "minute": 43, "second": 45}
